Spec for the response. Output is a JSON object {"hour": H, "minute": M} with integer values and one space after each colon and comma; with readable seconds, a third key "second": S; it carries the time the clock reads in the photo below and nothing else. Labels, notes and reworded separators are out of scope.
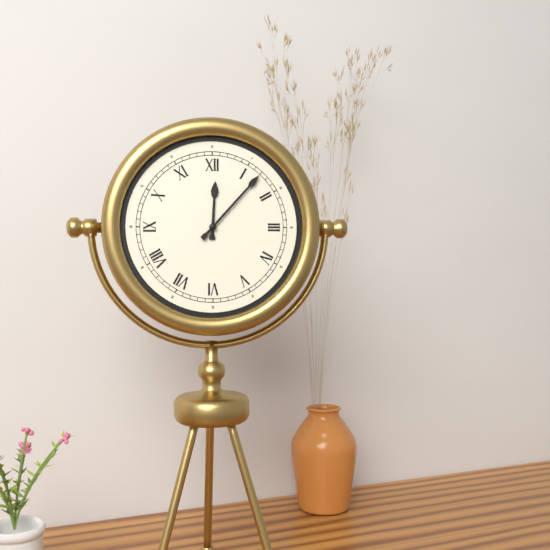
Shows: {"hour": 12, "minute": 7}
